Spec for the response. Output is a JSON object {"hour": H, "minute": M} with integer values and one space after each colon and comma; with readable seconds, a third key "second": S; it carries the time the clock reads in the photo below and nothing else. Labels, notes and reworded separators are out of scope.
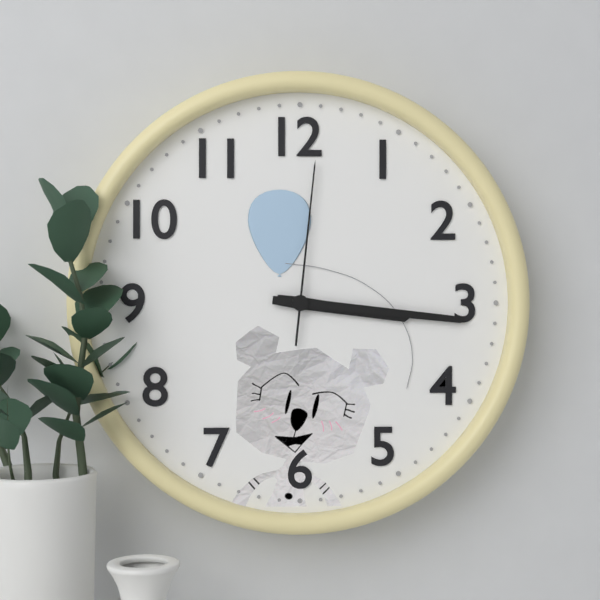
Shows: {"hour": 3, "minute": 16, "second": 1}
